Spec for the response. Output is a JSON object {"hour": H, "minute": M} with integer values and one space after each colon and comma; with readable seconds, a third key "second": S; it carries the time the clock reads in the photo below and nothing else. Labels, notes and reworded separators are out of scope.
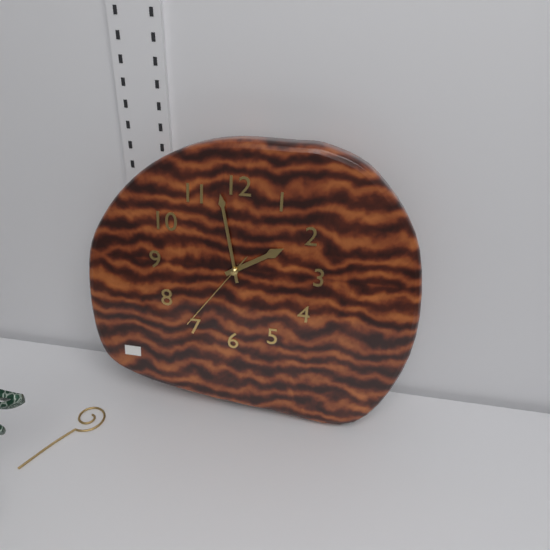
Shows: {"hour": 1, "minute": 58, "second": 36}
